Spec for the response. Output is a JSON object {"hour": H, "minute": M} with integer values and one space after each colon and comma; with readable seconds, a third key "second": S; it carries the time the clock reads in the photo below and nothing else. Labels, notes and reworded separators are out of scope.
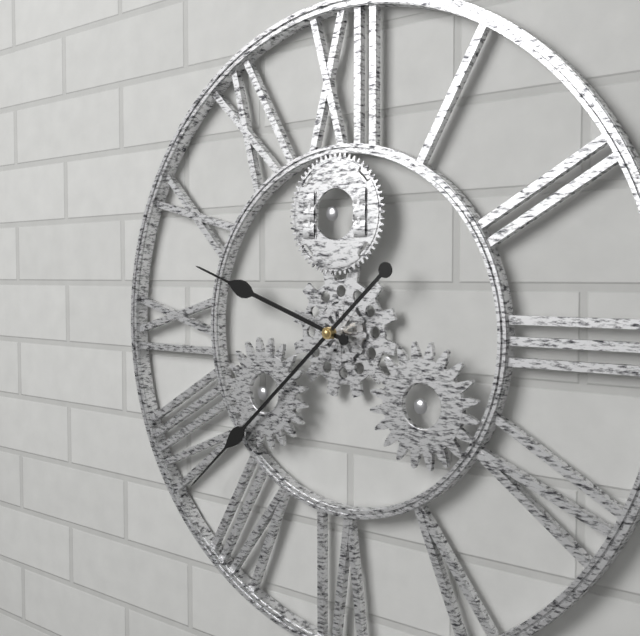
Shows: {"hour": 9, "minute": 38}
